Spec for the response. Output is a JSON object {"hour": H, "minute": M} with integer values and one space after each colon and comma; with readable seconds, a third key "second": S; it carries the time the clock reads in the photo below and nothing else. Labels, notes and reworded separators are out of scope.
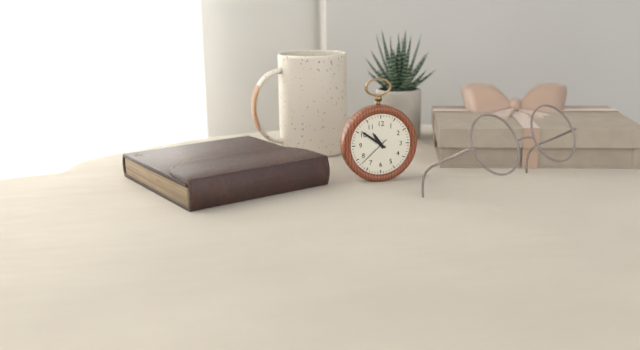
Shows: {"hour": 10, "minute": 51}
